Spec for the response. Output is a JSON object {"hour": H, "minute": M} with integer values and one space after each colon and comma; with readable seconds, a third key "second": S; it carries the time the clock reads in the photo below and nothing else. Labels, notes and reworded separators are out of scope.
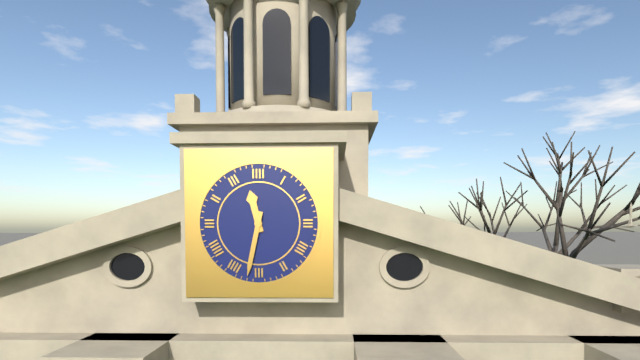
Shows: {"hour": 11, "minute": 32}
